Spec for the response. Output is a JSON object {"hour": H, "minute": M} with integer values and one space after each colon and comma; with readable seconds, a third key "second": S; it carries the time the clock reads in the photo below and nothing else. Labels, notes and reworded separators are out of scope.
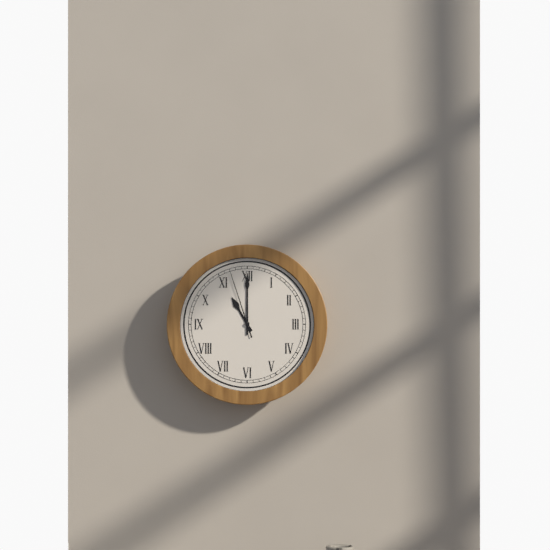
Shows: {"hour": 11, "minute": 0, "second": 57}
